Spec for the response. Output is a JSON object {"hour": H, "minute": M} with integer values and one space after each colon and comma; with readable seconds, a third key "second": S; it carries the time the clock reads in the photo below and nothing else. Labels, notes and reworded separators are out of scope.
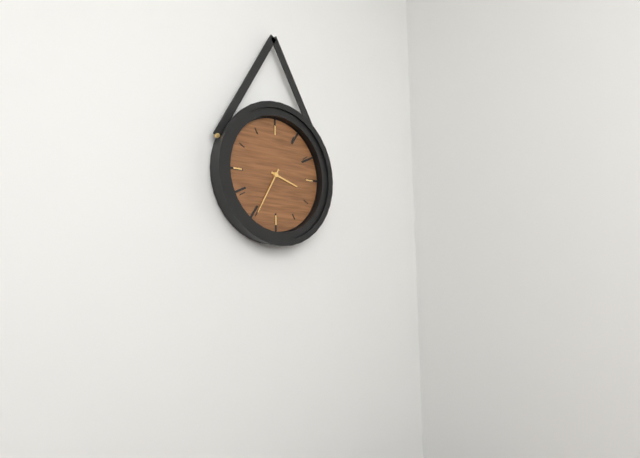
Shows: {"hour": 3, "minute": 35}
